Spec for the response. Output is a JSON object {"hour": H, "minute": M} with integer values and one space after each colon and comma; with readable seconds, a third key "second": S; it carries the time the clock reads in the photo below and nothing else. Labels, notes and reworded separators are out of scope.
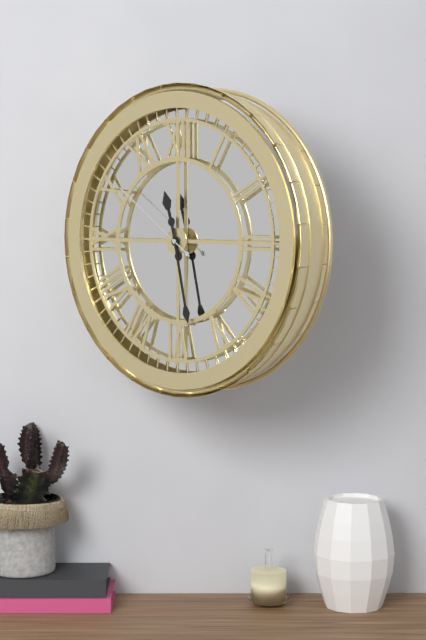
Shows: {"hour": 11, "minute": 28, "second": 51}
